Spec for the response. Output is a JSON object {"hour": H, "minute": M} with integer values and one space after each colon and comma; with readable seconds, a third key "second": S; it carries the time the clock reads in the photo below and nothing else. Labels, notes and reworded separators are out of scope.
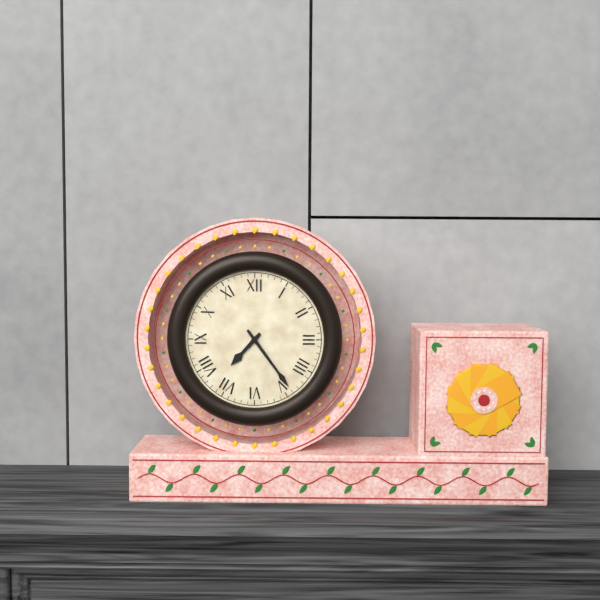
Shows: {"hour": 7, "minute": 24}
